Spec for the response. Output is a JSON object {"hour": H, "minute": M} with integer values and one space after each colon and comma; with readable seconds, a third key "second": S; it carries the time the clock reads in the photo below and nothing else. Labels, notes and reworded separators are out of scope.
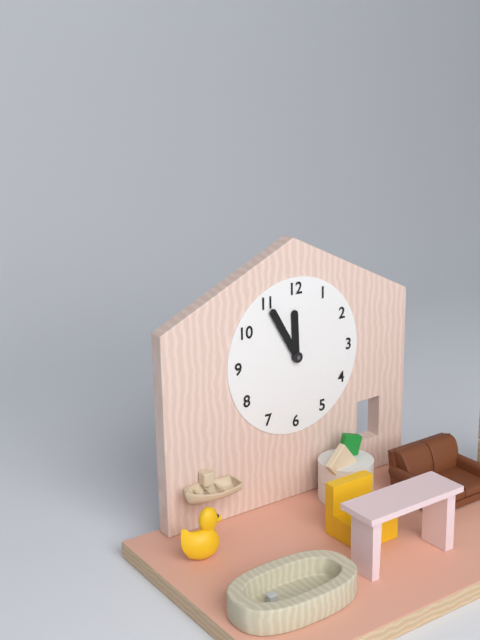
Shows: {"hour": 11, "minute": 55}
